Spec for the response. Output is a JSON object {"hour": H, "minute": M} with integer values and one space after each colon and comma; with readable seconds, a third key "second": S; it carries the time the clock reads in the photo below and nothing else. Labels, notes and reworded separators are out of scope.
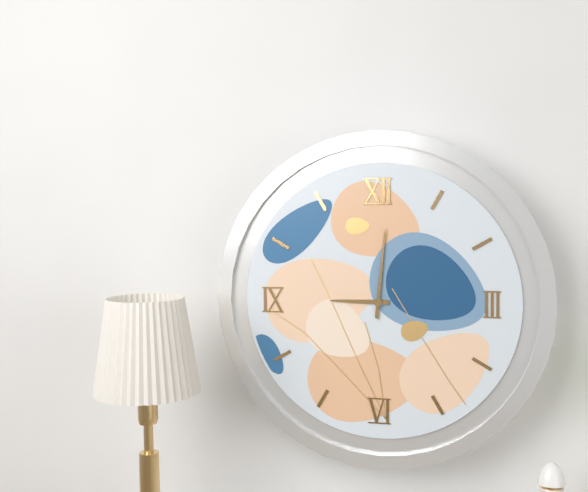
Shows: {"hour": 9, "minute": 1}
